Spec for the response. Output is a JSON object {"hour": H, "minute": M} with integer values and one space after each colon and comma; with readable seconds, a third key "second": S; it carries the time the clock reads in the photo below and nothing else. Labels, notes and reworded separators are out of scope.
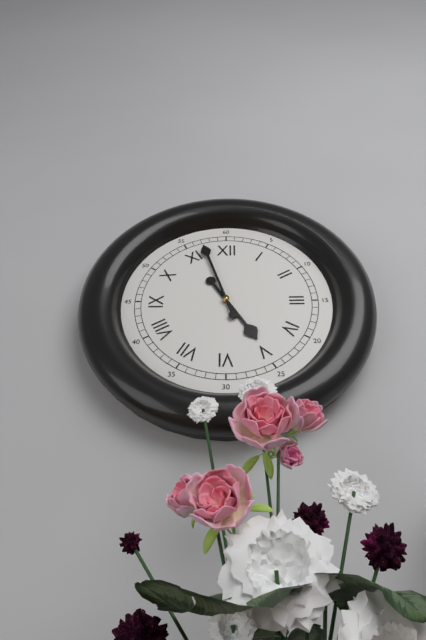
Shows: {"hour": 4, "minute": 57}
